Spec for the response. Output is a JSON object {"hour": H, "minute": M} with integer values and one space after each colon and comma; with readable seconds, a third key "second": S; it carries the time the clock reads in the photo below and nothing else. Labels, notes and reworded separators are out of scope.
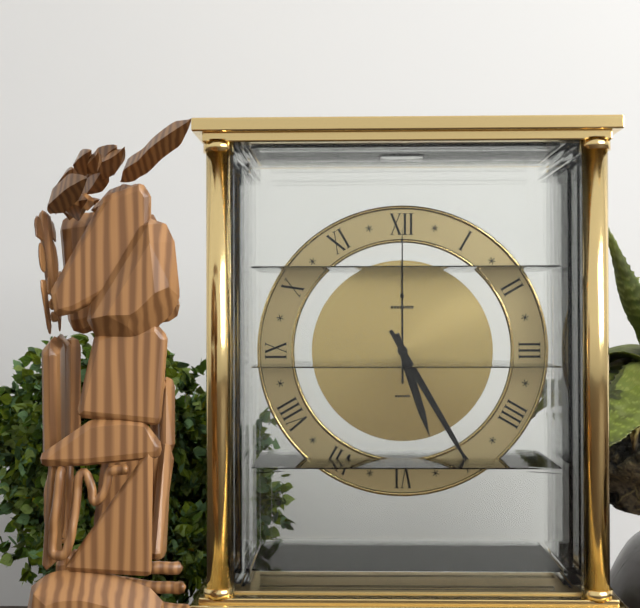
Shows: {"hour": 5, "minute": 25, "second": 0}
